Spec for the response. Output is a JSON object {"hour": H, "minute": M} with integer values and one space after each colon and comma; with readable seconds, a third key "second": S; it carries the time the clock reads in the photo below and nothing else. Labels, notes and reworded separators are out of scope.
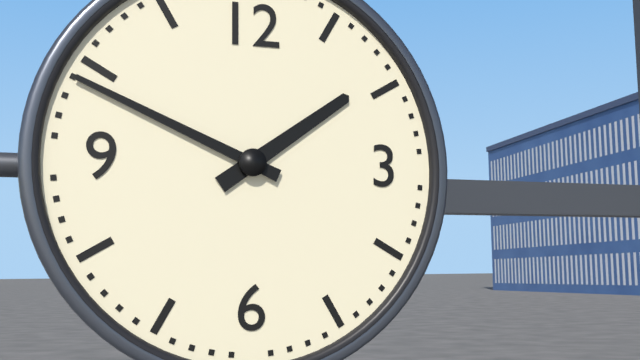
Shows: {"hour": 1, "minute": 49}
